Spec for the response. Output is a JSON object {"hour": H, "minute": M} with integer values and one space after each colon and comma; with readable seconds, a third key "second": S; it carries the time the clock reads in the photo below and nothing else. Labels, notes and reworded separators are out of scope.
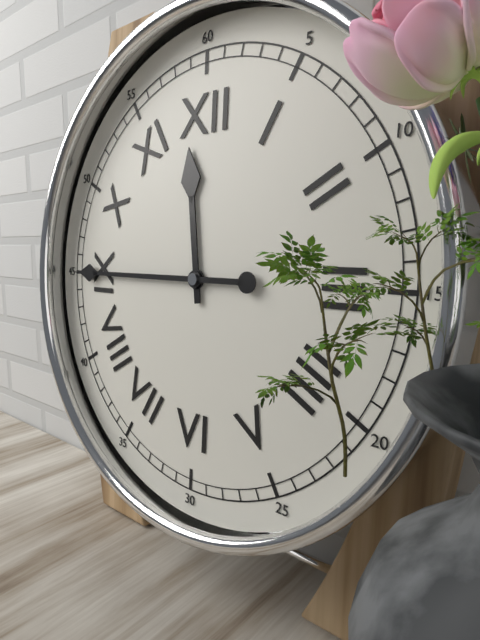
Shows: {"hour": 11, "minute": 45}
